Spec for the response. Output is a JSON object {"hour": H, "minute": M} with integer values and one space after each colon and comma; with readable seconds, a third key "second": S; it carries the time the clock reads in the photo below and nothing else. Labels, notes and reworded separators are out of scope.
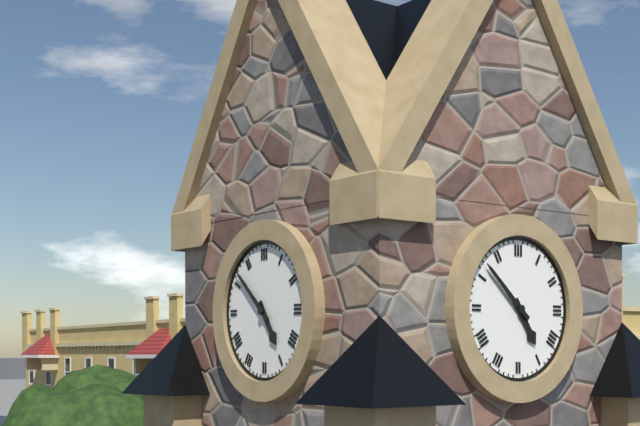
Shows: {"hour": 4, "minute": 52}
